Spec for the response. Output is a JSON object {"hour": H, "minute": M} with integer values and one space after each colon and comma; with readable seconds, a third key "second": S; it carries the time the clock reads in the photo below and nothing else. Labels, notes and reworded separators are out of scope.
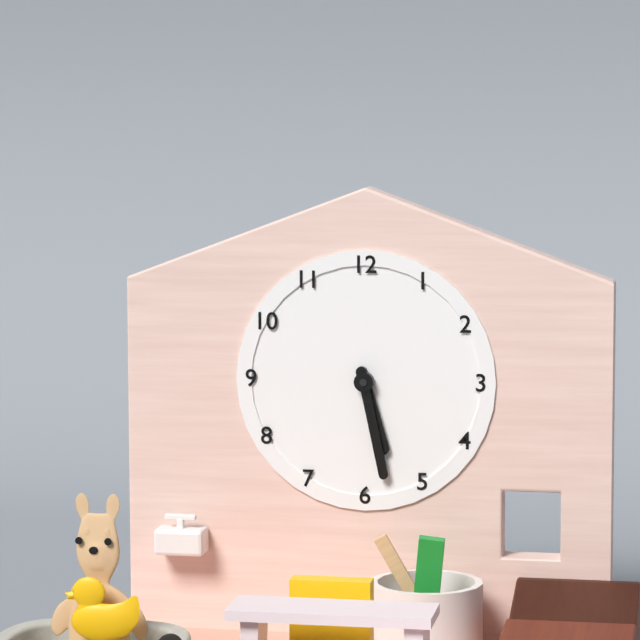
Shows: {"hour": 5, "minute": 28}
